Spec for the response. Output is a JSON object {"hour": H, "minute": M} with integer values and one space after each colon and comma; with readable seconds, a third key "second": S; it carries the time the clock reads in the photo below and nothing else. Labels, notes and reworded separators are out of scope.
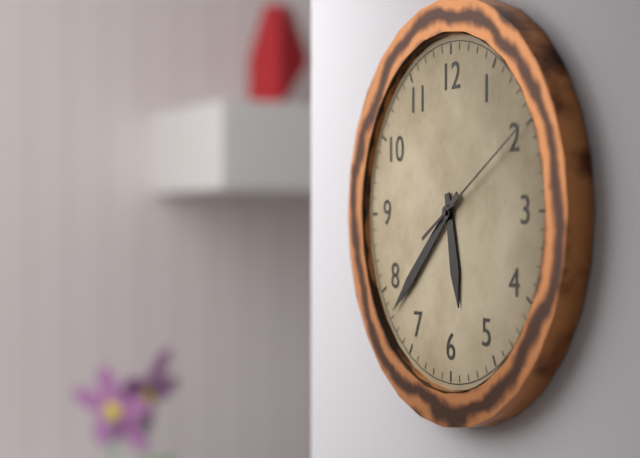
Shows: {"hour": 5, "minute": 38, "second": 10}
